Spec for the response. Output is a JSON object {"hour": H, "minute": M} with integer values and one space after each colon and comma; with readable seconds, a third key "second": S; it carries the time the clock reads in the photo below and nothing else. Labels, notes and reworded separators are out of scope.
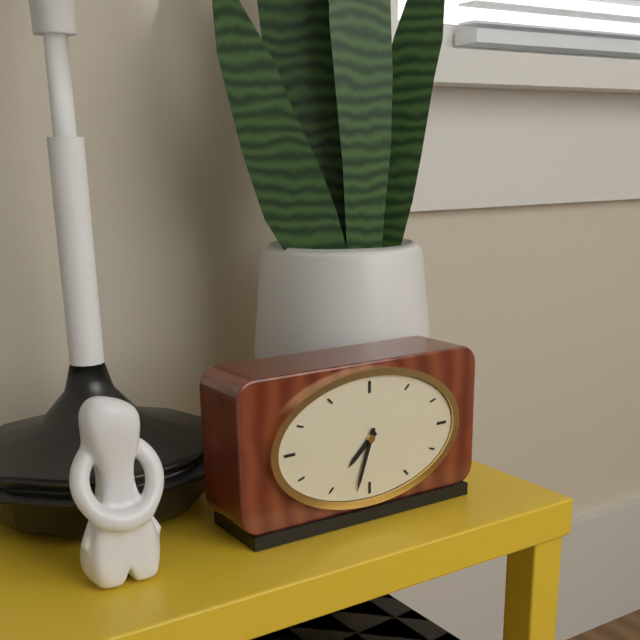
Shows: {"hour": 7, "minute": 33}
